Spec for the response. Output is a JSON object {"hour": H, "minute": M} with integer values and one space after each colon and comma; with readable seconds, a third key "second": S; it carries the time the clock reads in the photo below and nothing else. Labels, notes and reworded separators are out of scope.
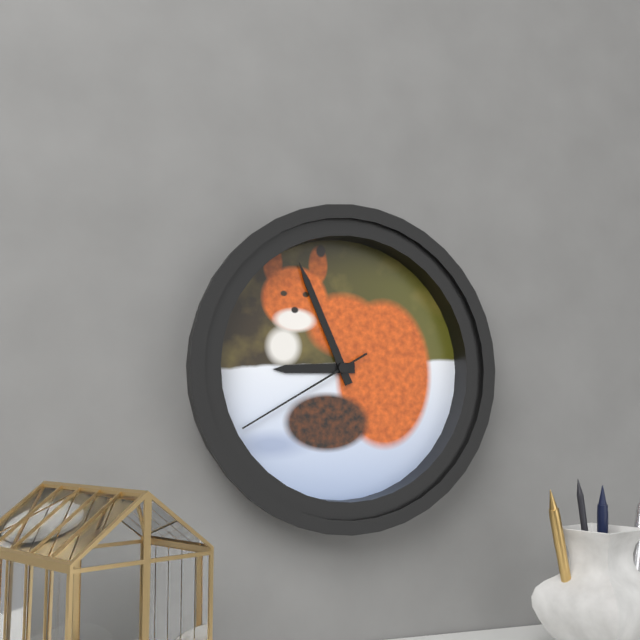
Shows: {"hour": 8, "minute": 56, "second": 40}
